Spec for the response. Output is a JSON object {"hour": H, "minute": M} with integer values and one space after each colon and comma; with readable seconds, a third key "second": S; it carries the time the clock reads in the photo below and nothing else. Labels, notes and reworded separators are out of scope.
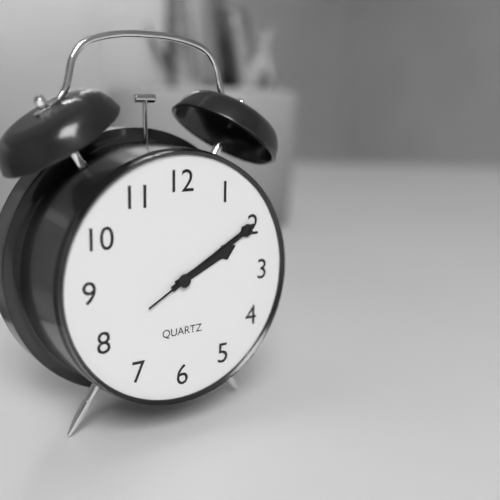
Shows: {"hour": 2, "minute": 10, "second": 10}
